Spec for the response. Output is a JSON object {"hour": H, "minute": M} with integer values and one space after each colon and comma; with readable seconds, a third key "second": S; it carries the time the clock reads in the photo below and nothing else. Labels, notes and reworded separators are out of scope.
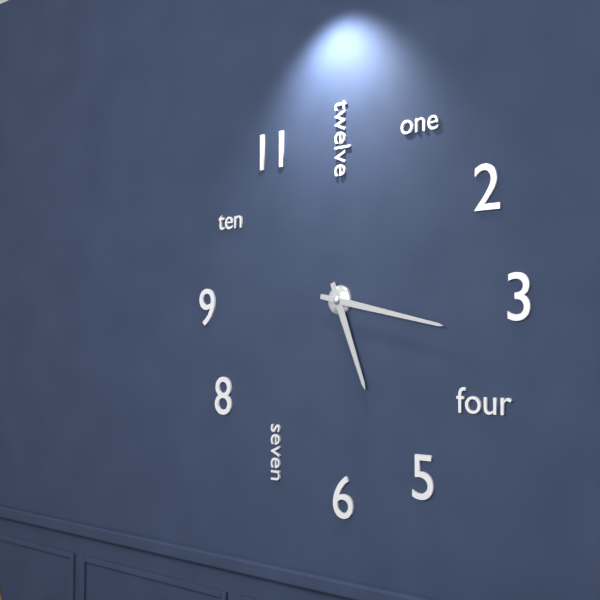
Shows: {"hour": 5, "minute": 17}
